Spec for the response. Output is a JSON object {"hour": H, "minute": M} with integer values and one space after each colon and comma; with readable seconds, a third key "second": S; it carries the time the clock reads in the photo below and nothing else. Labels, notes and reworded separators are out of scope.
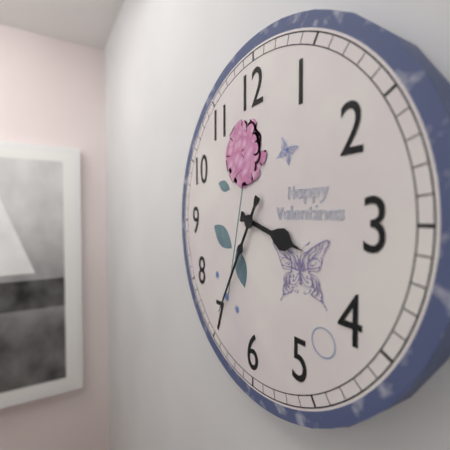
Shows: {"hour": 3, "minute": 35}
